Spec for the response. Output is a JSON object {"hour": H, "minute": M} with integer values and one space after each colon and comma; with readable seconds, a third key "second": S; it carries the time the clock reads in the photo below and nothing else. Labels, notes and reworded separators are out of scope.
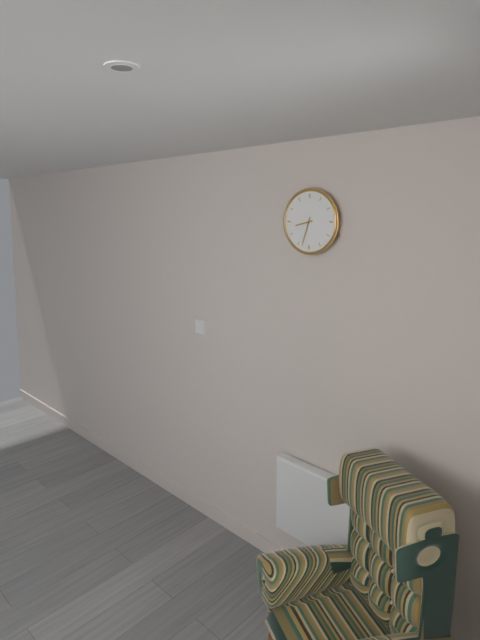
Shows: {"hour": 8, "minute": 33}
